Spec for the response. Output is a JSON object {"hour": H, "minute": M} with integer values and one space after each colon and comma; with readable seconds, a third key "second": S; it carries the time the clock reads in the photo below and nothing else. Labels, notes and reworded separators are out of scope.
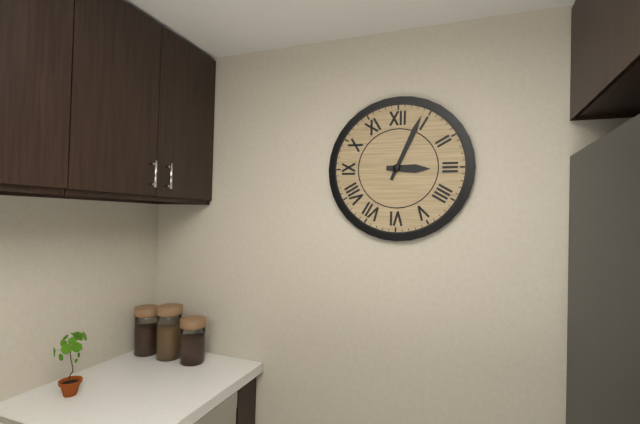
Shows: {"hour": 3, "minute": 4}
